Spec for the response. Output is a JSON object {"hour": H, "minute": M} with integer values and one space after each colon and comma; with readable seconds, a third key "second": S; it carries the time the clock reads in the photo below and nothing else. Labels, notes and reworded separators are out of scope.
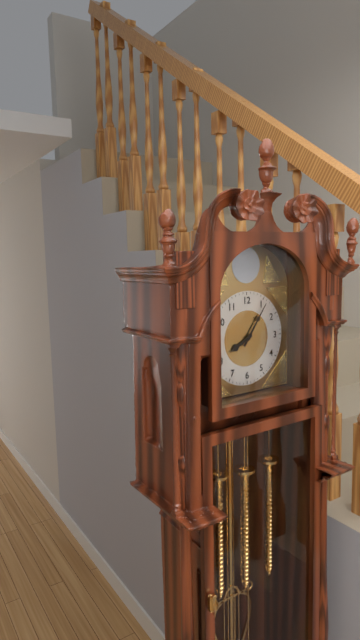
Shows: {"hour": 8, "minute": 6}
